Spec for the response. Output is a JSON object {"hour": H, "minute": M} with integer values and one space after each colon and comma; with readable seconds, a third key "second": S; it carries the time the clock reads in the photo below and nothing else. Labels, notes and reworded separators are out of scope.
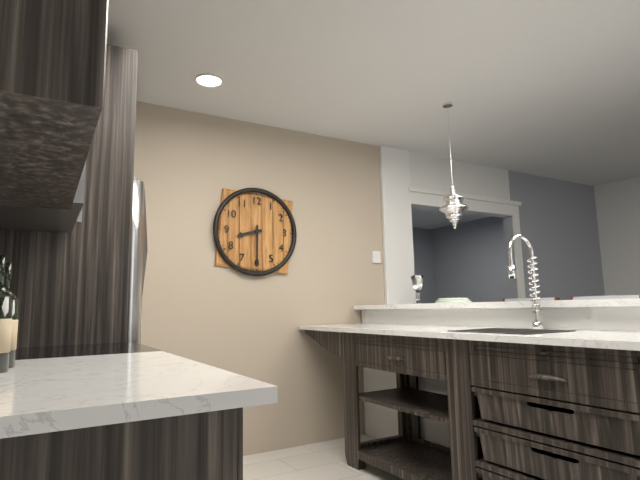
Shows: {"hour": 8, "minute": 30}
